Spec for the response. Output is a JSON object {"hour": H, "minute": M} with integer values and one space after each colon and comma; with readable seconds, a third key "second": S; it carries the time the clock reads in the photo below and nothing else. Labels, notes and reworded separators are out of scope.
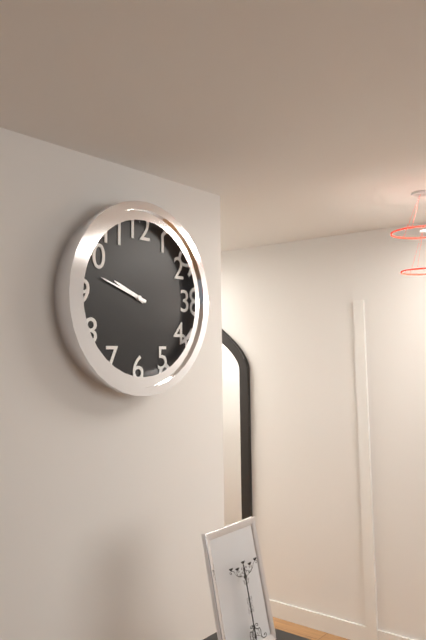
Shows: {"hour": 9, "minute": 48}
